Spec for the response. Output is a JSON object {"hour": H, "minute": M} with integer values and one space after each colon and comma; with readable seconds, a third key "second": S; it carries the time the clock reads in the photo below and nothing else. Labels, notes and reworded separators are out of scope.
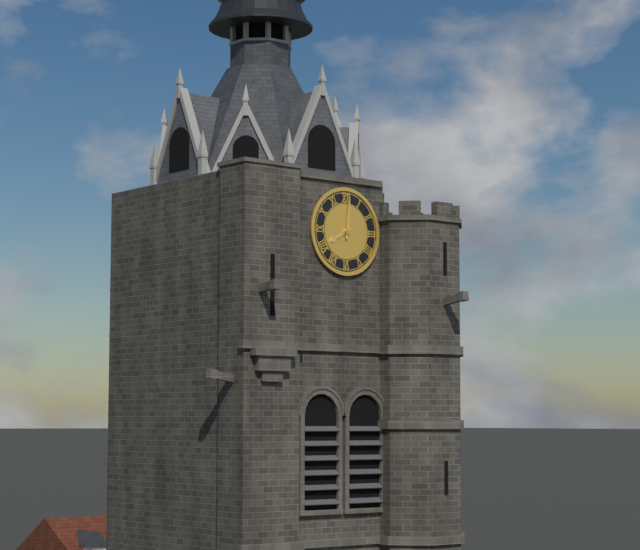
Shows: {"hour": 8, "minute": 1}
